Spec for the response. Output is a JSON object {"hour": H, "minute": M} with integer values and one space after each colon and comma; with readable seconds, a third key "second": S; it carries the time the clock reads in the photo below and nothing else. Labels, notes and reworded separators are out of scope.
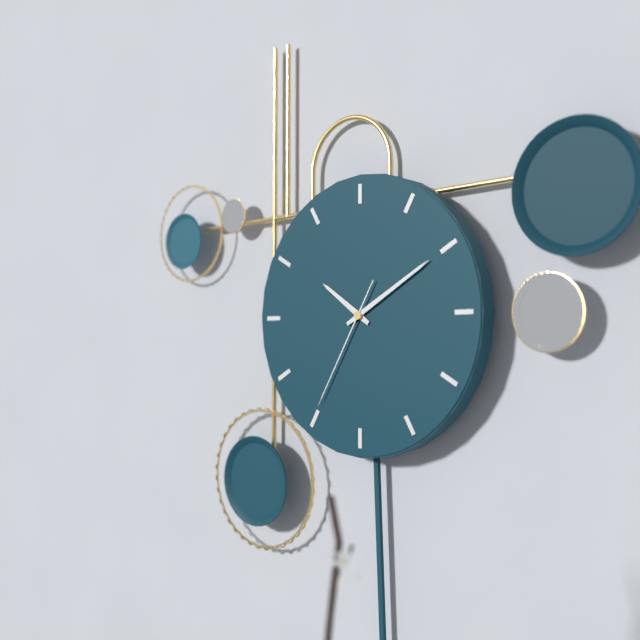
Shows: {"hour": 10, "minute": 10, "second": 35}
